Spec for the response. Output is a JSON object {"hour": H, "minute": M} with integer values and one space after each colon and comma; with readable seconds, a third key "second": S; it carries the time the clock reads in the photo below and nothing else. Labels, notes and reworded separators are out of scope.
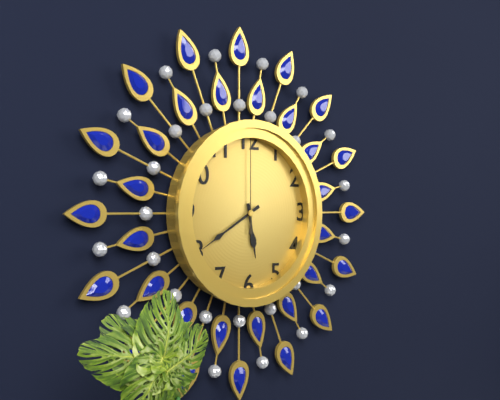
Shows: {"hour": 5, "minute": 40, "second": 0}
